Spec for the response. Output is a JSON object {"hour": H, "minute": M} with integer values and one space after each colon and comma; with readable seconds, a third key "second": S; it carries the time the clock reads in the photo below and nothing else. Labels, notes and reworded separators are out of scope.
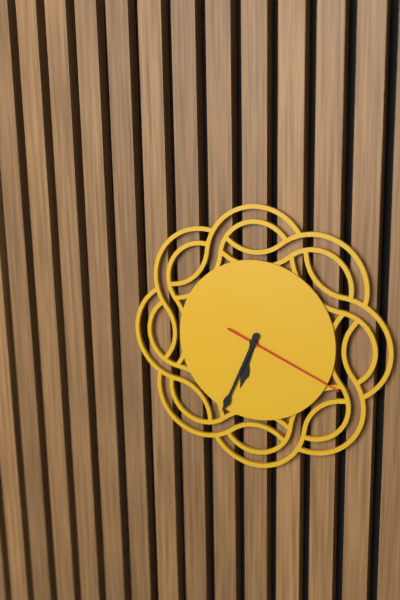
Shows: {"hour": 6, "minute": 34, "second": 19}
